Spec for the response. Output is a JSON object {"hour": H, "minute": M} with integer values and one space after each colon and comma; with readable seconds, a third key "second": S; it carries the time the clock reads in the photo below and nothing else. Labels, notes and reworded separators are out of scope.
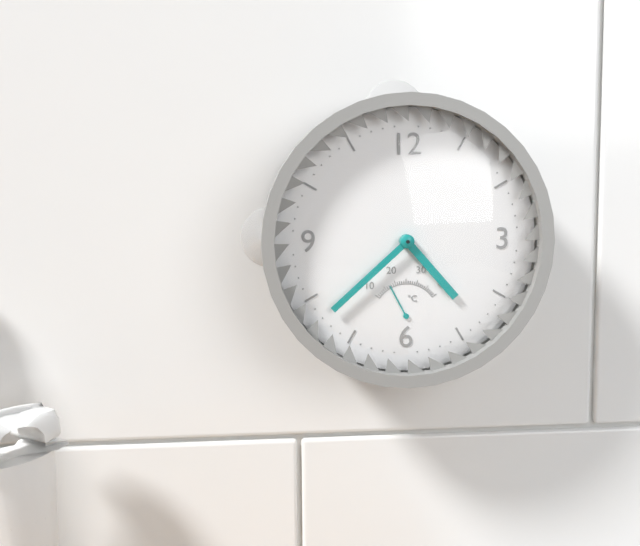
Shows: {"hour": 4, "minute": 38}
